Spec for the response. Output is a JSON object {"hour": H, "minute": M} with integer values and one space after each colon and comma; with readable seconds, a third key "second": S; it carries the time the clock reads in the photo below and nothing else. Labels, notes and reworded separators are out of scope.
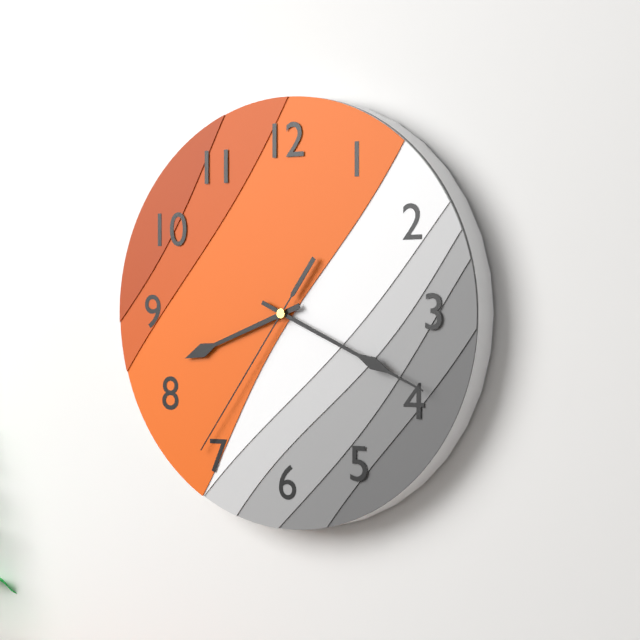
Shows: {"hour": 8, "minute": 19, "second": 36}
